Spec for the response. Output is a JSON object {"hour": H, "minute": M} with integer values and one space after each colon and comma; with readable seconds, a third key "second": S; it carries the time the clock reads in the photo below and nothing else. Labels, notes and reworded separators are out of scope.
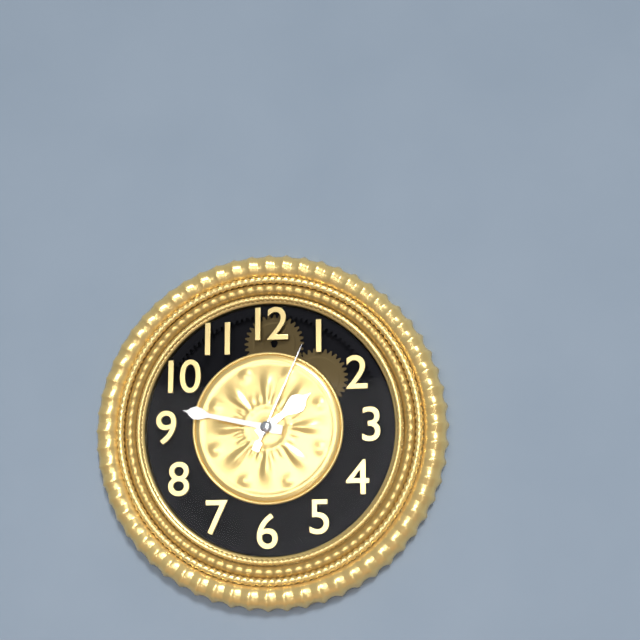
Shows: {"hour": 1, "minute": 47, "second": 4}
